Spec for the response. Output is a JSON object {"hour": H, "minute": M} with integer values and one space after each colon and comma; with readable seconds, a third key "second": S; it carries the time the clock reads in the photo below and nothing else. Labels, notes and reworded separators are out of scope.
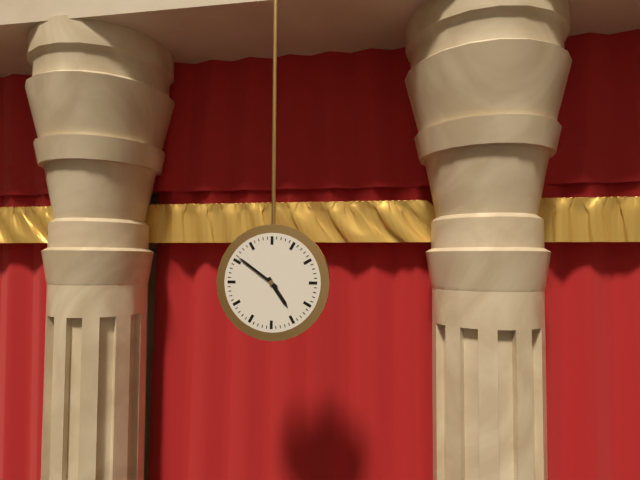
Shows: {"hour": 4, "minute": 51}
